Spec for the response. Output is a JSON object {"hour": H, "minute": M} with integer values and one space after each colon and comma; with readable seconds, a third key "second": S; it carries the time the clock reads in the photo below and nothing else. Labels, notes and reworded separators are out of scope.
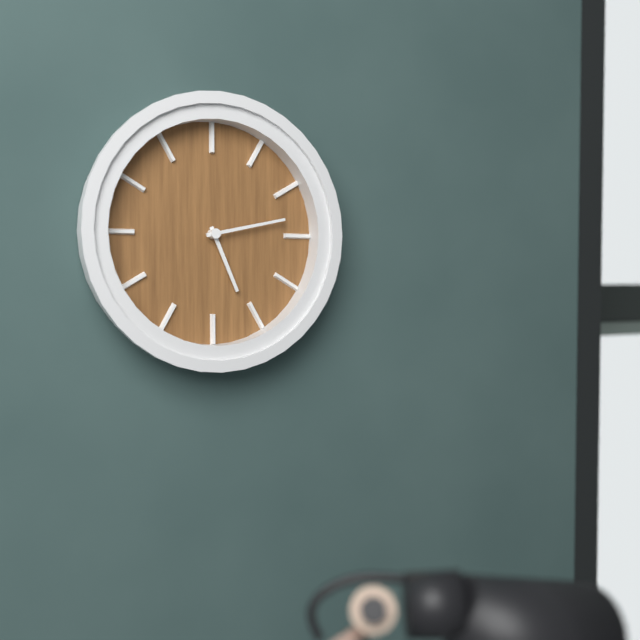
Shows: {"hour": 5, "minute": 13}
